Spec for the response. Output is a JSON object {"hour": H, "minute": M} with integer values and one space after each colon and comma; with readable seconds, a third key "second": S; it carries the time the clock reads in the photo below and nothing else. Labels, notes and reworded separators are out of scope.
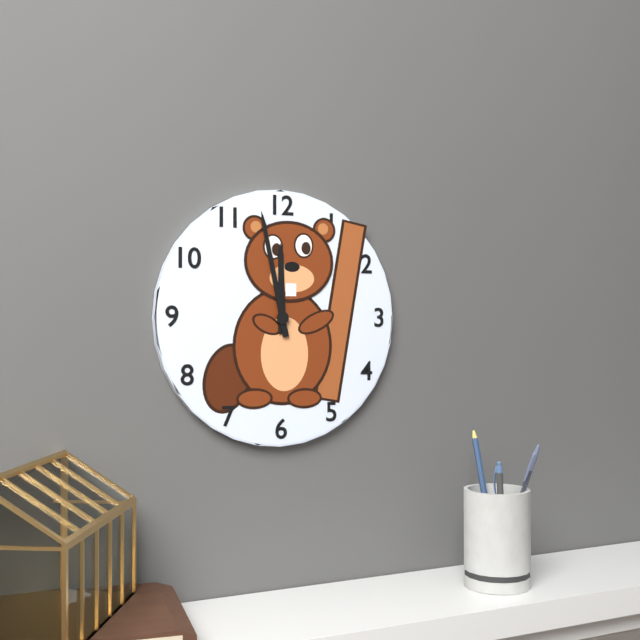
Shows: {"hour": 11, "minute": 58}
